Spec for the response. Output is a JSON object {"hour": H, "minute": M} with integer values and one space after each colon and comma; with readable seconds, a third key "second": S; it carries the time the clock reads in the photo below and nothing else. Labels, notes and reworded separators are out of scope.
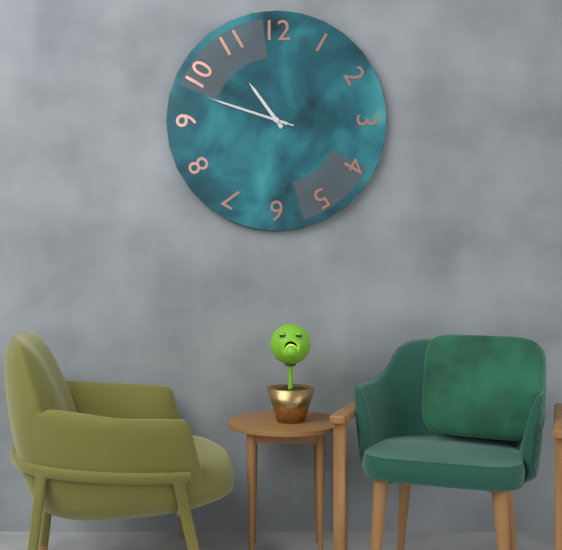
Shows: {"hour": 10, "minute": 48, "second": 48}
